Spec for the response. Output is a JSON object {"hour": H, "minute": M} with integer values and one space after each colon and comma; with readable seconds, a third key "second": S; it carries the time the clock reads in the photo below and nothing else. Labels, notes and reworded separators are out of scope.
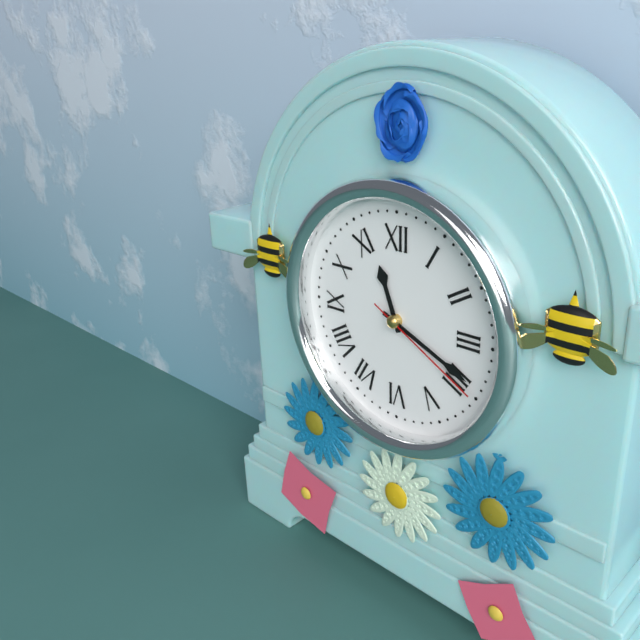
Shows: {"hour": 11, "minute": 19, "second": 20}
